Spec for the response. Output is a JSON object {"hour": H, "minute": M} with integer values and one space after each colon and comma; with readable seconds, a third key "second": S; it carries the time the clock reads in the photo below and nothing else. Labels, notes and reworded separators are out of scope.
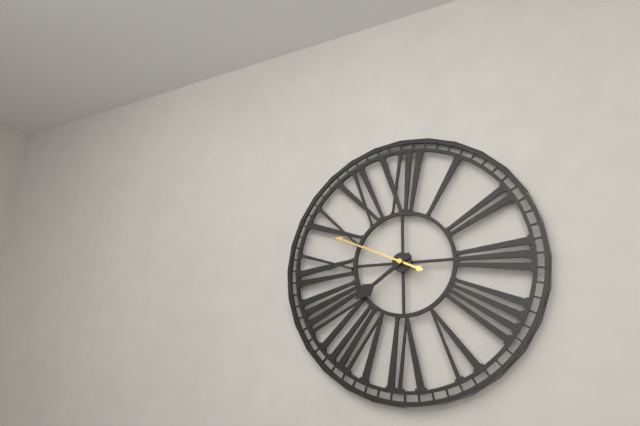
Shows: {"hour": 7, "minute": 49}
